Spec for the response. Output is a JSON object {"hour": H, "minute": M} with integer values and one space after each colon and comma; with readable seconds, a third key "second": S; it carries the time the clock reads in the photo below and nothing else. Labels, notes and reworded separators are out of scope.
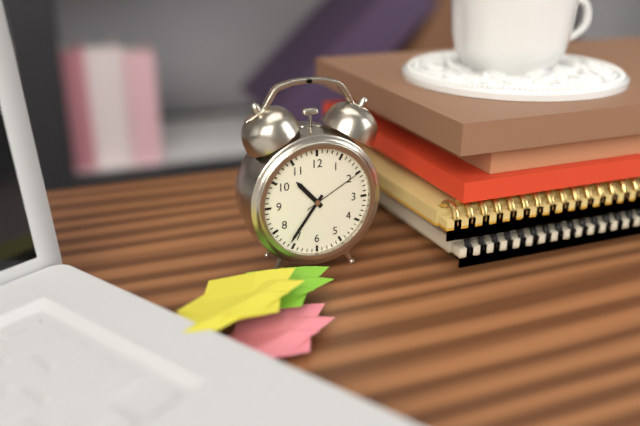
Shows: {"hour": 10, "minute": 36, "second": 10}
